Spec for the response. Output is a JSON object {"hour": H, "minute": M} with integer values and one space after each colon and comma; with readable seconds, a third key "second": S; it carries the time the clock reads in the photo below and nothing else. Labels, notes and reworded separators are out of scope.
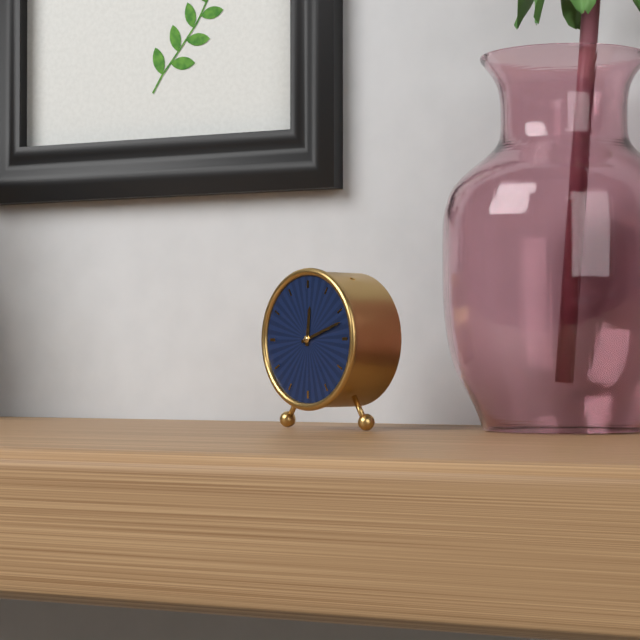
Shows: {"hour": 12, "minute": 12}
